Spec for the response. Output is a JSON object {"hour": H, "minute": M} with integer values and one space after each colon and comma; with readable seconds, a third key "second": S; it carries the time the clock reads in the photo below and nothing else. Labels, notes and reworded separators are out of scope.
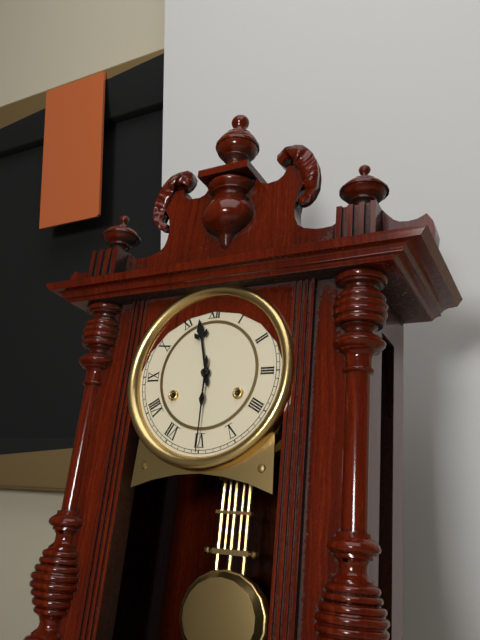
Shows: {"hour": 11, "minute": 30}
